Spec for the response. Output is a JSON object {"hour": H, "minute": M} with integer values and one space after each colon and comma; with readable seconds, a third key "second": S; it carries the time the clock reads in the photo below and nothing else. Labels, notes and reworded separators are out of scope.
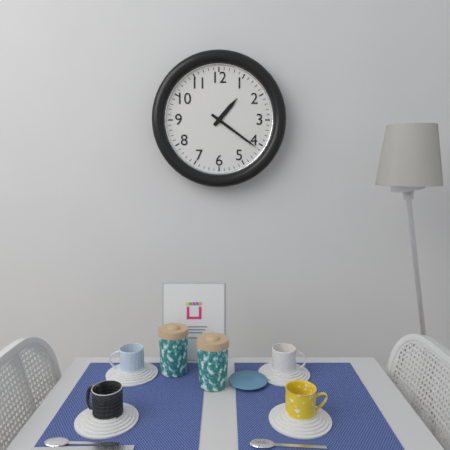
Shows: {"hour": 1, "minute": 21}
